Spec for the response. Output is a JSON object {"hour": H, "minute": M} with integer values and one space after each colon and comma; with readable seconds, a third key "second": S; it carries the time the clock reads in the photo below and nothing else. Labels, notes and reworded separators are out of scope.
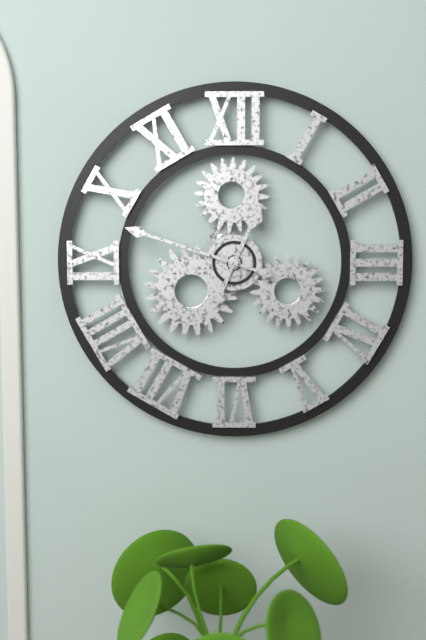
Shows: {"hour": 12, "minute": 48}
